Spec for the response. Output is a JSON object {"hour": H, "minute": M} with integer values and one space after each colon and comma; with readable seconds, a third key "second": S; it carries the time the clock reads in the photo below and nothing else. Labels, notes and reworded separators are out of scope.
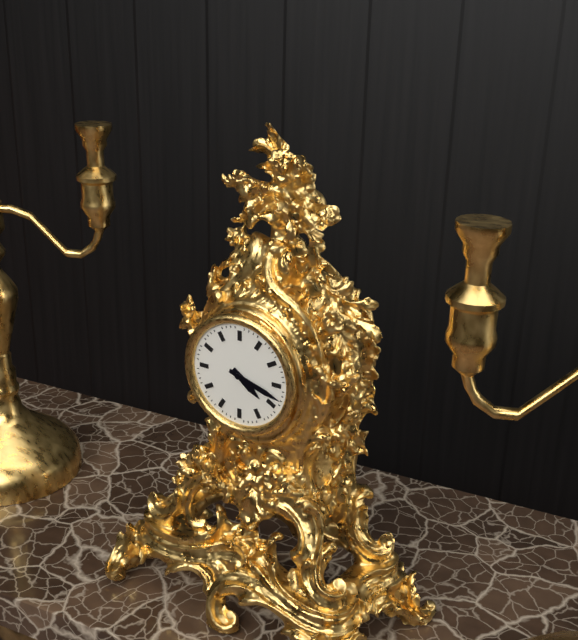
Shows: {"hour": 4, "minute": 18}
